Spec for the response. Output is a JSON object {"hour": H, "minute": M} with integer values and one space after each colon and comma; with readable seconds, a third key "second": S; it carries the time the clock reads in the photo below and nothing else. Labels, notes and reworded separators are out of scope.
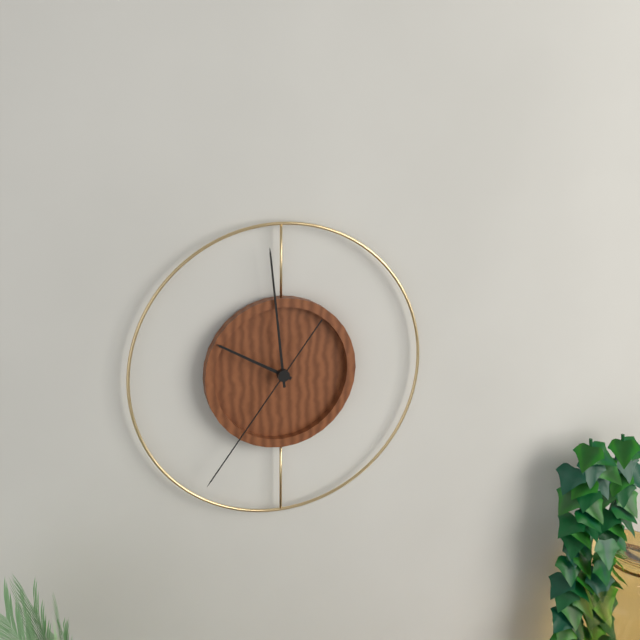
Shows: {"hour": 9, "minute": 59, "second": 36}
